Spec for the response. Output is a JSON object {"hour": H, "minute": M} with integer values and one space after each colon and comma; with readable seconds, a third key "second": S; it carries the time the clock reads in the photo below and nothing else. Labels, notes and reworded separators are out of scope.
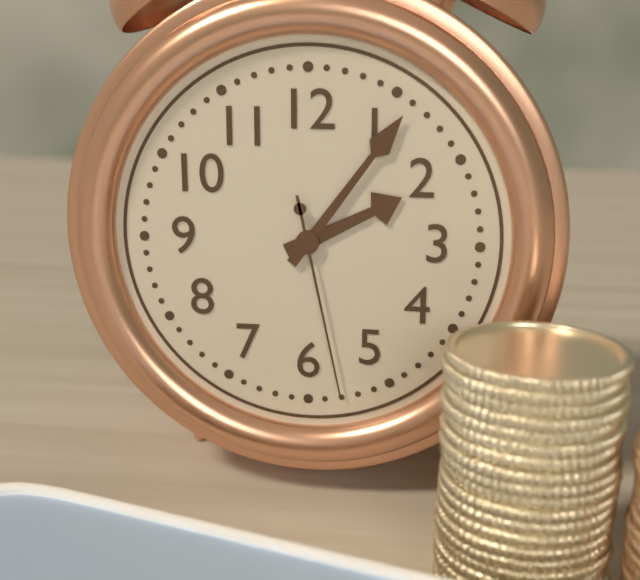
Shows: {"hour": 2, "minute": 6, "second": 28}
